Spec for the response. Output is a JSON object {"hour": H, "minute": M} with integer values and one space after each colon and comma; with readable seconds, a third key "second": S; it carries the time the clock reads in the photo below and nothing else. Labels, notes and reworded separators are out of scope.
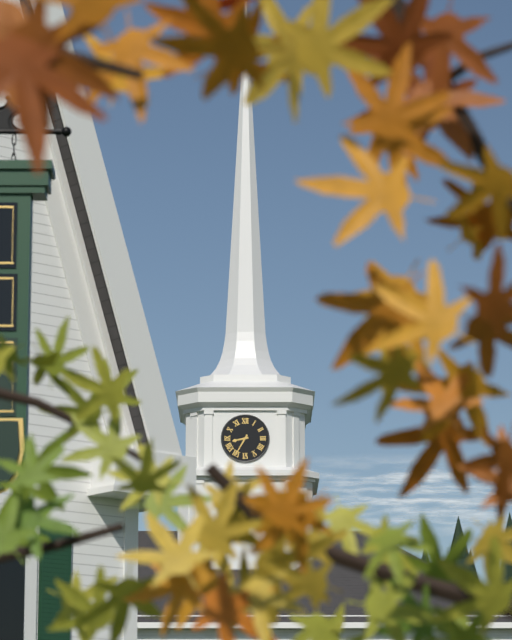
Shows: {"hour": 8, "minute": 35}
